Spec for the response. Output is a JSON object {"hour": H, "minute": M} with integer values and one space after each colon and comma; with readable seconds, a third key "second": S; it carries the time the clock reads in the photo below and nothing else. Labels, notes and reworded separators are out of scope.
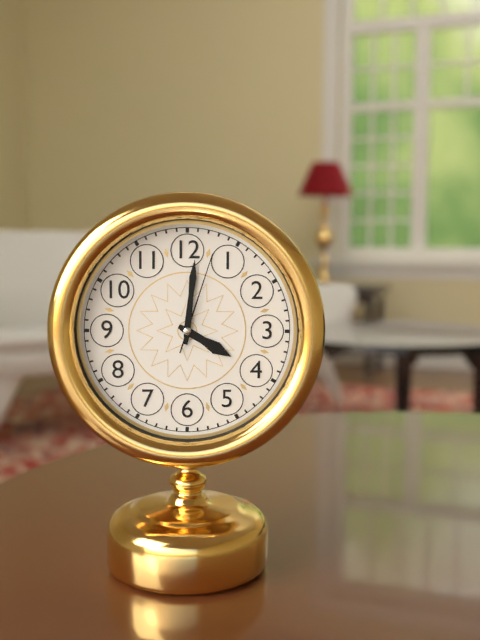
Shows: {"hour": 4, "minute": 1, "second": 3}
